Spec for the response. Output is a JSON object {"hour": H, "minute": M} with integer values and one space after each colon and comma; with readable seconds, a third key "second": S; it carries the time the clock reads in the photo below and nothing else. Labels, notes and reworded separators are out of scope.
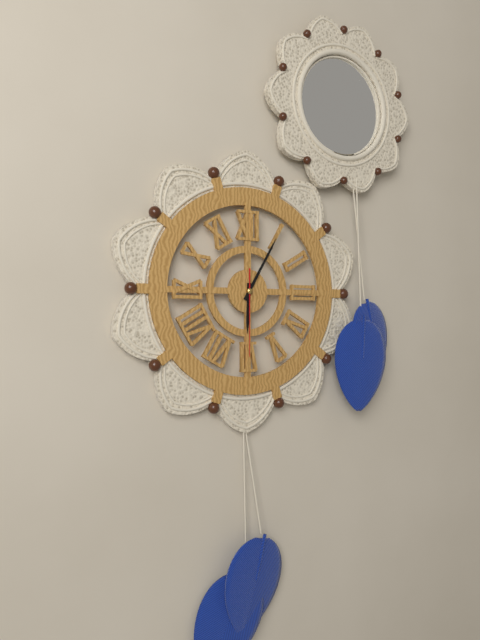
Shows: {"hour": 6, "minute": 5, "second": 30}
